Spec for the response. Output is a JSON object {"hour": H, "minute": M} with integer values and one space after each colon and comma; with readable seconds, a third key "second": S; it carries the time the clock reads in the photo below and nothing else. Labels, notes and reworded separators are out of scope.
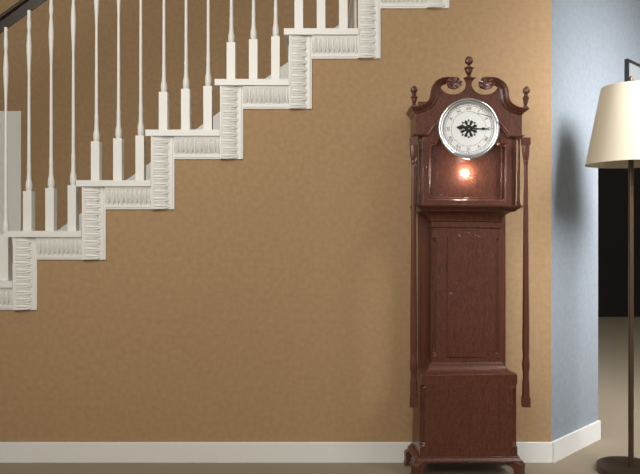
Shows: {"hour": 9, "minute": 15}
